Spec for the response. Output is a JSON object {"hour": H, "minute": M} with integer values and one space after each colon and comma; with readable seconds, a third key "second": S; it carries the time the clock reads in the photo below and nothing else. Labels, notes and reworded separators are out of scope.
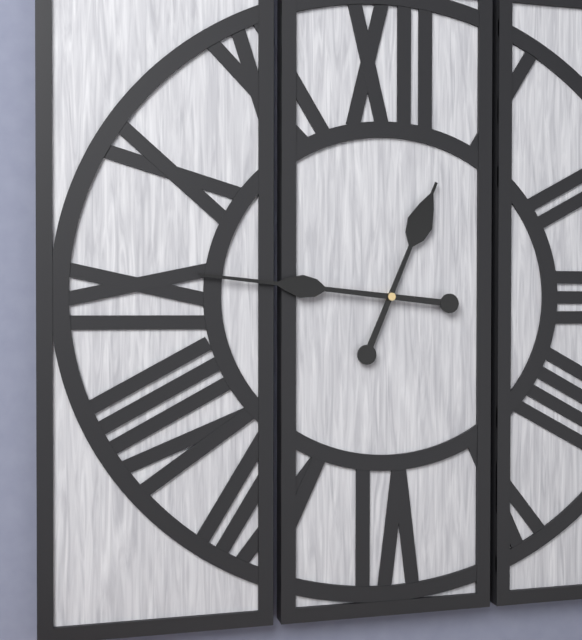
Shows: {"hour": 12, "minute": 46}
